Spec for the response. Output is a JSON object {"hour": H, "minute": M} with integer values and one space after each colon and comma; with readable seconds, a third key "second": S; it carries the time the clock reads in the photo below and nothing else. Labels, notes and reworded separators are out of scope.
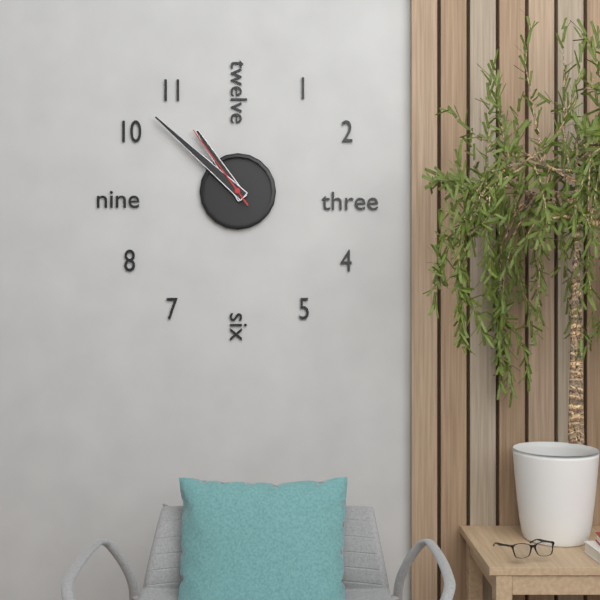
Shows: {"hour": 10, "minute": 52, "second": 54}
